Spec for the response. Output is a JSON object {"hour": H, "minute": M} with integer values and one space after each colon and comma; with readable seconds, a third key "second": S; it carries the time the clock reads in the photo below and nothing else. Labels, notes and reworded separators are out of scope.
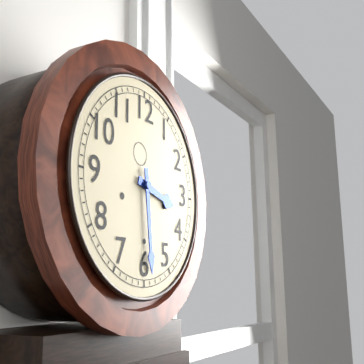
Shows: {"hour": 3, "minute": 29}
